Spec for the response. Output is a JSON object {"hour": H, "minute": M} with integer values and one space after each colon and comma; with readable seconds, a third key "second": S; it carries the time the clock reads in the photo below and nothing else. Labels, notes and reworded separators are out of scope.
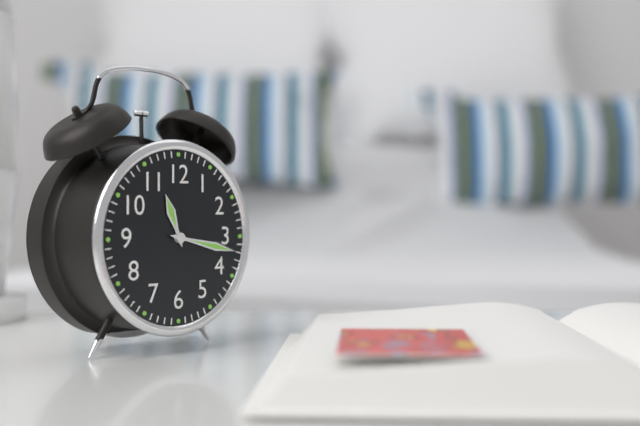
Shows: {"hour": 11, "minute": 17}
